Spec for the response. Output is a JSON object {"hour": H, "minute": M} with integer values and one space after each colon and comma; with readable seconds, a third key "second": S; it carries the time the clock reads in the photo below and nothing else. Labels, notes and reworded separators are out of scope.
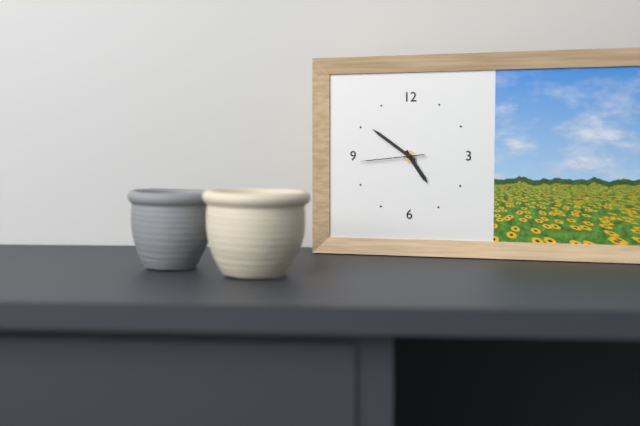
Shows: {"hour": 4, "minute": 51, "second": 44}
